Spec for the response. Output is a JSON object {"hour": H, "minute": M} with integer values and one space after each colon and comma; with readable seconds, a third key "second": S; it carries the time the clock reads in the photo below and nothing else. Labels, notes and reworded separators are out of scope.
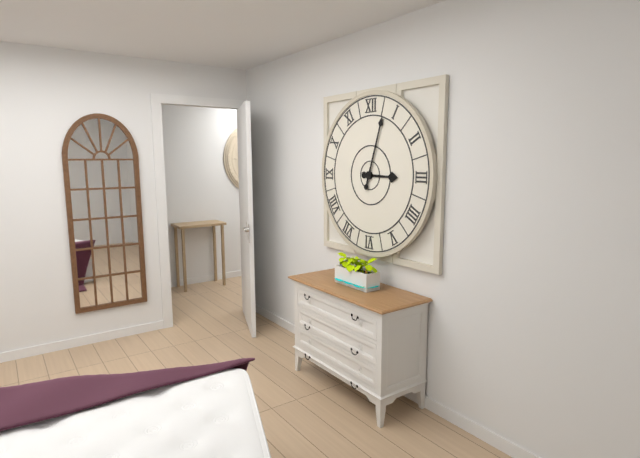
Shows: {"hour": 3, "minute": 3}
